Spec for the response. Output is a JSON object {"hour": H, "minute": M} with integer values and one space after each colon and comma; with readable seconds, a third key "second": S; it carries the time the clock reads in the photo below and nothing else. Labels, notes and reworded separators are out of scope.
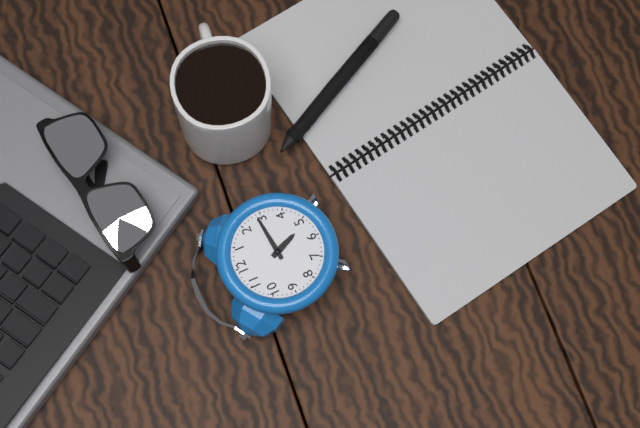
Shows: {"hour": 5, "minute": 14}
